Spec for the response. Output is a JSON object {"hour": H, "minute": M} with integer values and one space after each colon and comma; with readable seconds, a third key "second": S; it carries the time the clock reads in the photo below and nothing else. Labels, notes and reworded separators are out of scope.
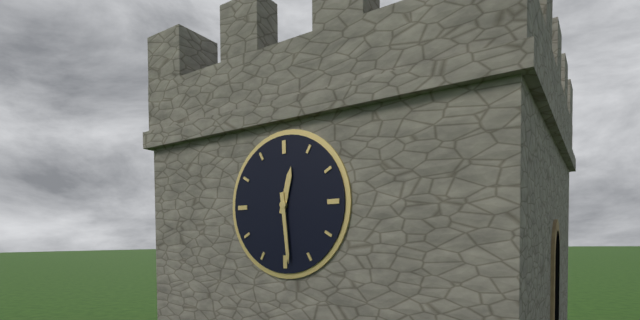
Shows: {"hour": 12, "minute": 29}
